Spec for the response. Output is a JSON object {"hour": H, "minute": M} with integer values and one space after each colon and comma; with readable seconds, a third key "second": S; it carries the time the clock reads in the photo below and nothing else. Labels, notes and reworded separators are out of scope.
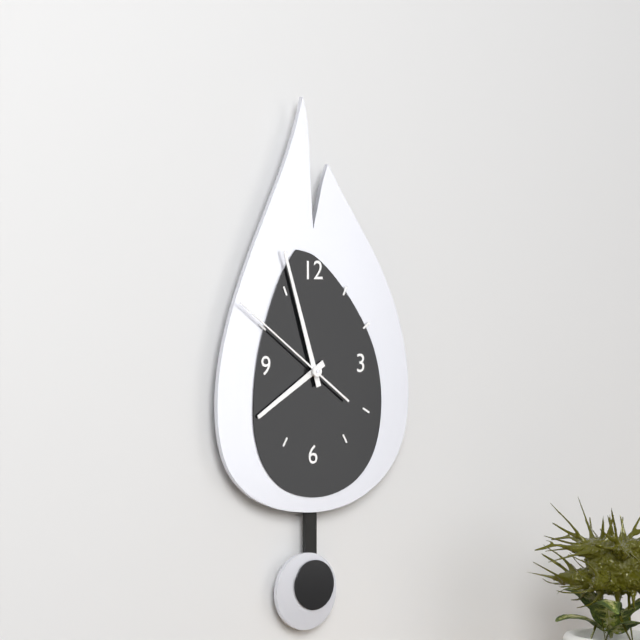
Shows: {"hour": 7, "minute": 57, "second": 51}
